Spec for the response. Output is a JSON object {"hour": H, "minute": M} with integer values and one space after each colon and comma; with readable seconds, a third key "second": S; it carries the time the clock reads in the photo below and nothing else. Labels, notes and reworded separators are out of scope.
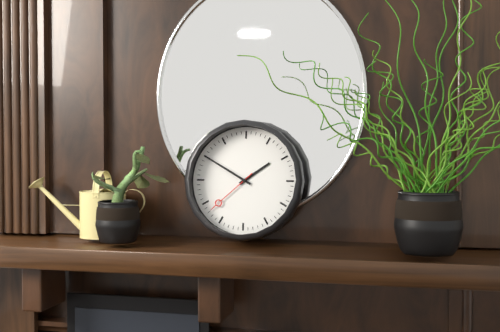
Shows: {"hour": 1, "minute": 50, "second": 38}
